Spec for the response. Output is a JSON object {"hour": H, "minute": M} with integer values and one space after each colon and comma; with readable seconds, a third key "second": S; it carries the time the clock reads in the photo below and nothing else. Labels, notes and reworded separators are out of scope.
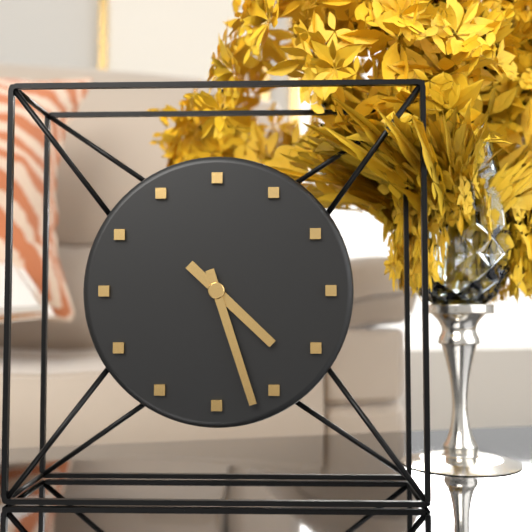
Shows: {"hour": 4, "minute": 27}
